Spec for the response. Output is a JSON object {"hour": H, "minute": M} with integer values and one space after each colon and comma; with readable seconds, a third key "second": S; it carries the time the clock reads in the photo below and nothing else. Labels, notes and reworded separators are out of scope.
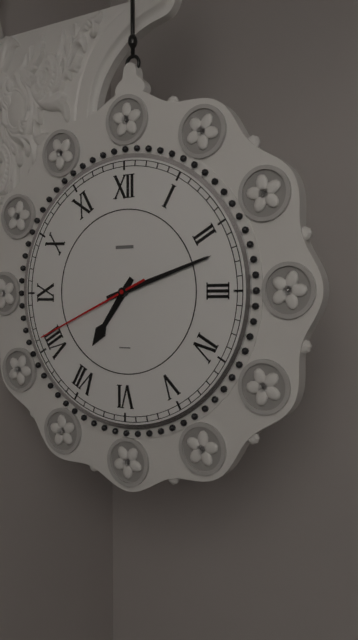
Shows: {"hour": 7, "minute": 12, "second": 41}
